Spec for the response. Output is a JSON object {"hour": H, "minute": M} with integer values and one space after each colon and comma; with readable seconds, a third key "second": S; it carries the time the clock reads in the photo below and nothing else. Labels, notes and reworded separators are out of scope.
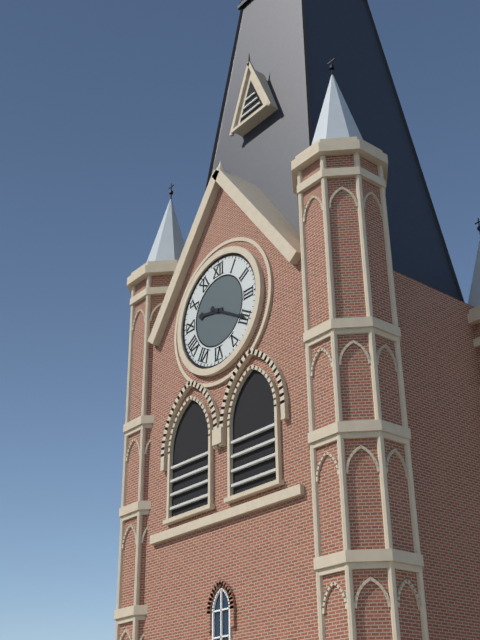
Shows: {"hour": 9, "minute": 20}
